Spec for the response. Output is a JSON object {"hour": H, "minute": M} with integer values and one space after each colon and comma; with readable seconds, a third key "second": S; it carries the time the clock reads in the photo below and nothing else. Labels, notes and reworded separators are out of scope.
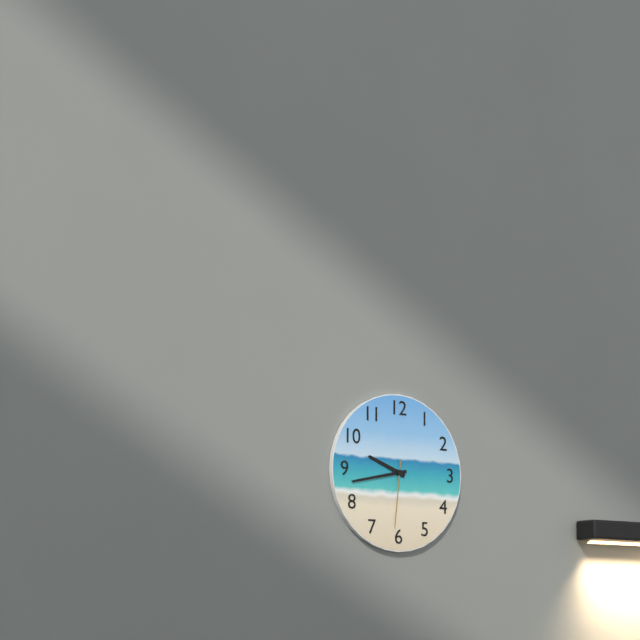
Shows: {"hour": 9, "minute": 43, "second": 31}
